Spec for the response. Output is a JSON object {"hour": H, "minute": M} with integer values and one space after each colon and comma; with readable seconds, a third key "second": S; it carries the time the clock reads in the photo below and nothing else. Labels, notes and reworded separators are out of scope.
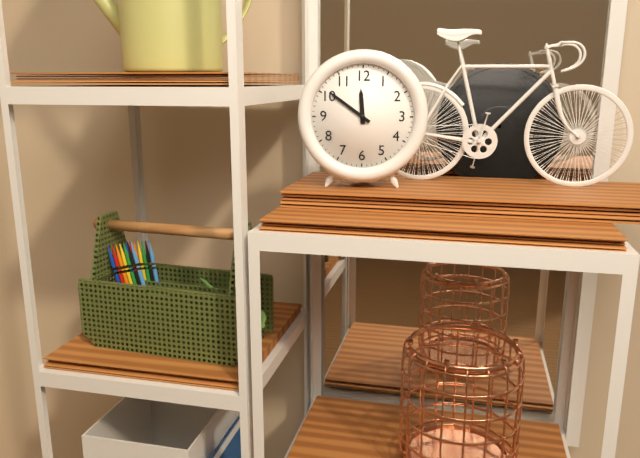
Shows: {"hour": 11, "minute": 51}
